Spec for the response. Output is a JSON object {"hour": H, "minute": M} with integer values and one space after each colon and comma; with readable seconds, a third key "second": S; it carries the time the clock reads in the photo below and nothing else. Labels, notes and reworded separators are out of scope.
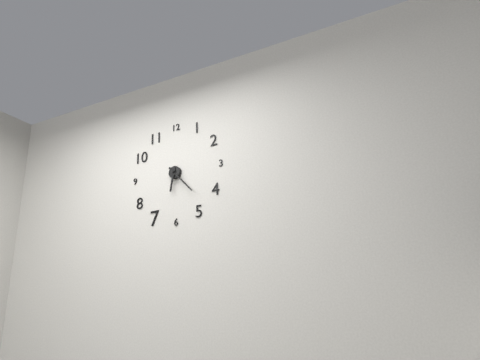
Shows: {"hour": 6, "minute": 23}
